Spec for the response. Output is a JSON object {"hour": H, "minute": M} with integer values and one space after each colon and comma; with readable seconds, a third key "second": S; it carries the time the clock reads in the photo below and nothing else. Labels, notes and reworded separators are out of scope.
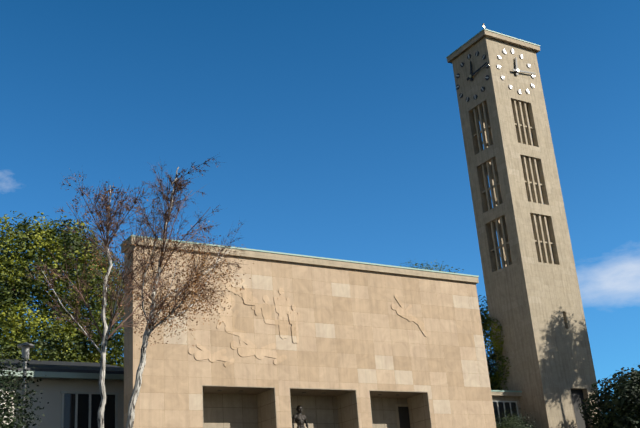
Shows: {"hour": 12, "minute": 14}
